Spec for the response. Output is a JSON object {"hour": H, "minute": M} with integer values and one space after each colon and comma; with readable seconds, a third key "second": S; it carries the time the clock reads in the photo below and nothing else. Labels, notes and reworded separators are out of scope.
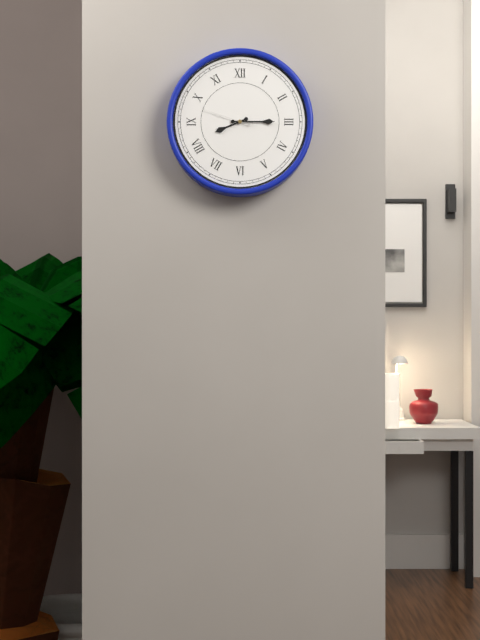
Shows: {"hour": 8, "minute": 15}
